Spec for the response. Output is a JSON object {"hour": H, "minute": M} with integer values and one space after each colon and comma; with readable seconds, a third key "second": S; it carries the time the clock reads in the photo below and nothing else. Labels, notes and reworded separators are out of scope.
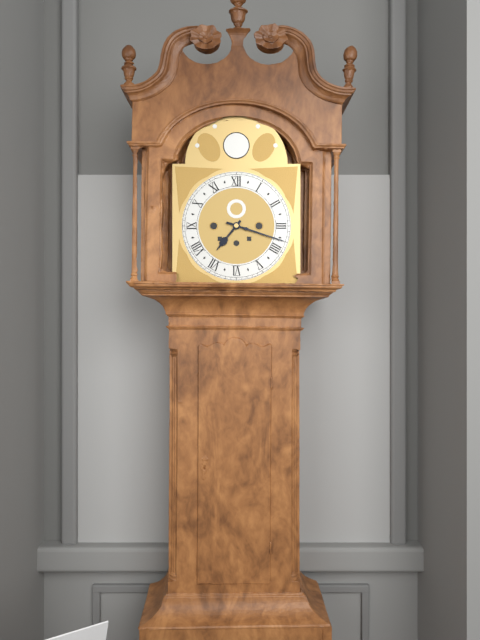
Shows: {"hour": 7, "minute": 18}
